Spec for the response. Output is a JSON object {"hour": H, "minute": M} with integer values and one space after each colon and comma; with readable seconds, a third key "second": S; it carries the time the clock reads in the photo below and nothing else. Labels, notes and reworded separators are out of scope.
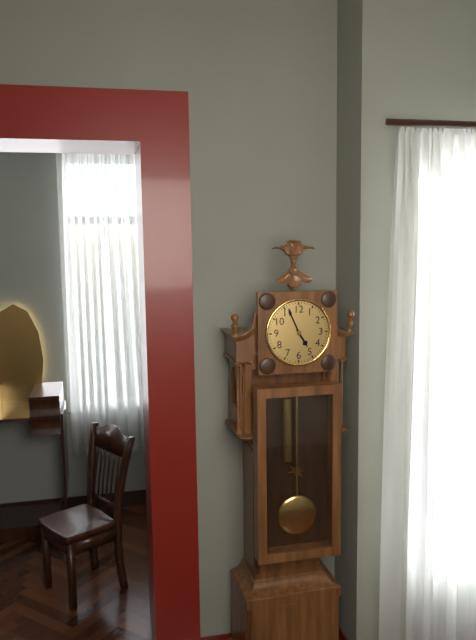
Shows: {"hour": 4, "minute": 56}
